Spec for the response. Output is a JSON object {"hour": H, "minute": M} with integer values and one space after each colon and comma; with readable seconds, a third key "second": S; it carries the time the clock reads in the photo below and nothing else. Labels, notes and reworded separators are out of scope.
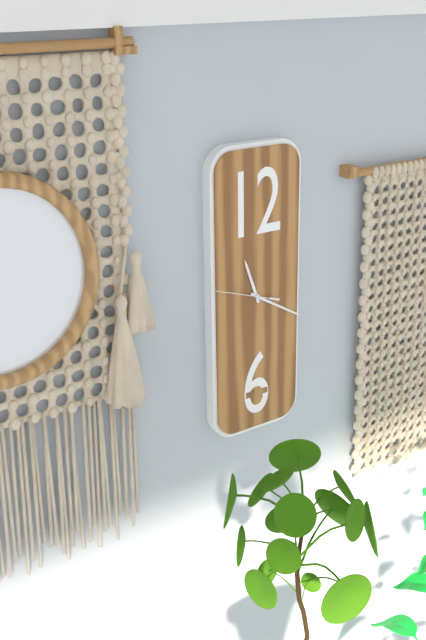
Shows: {"hour": 11, "minute": 20, "second": 48}
